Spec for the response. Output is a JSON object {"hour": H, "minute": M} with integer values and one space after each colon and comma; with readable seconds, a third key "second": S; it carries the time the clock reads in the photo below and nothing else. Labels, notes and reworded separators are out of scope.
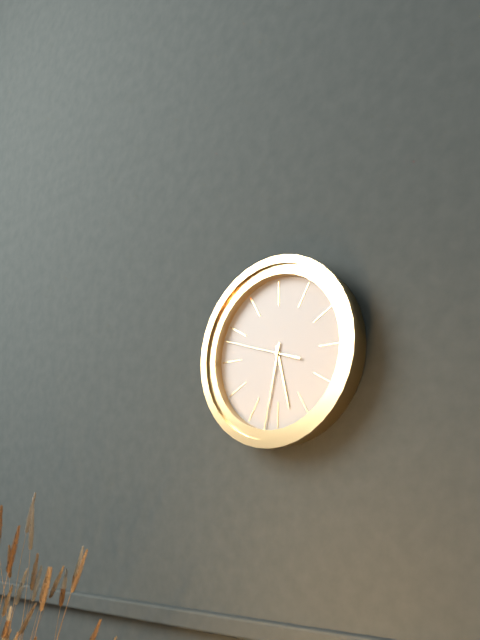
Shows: {"hour": 5, "minute": 32, "second": 48}
